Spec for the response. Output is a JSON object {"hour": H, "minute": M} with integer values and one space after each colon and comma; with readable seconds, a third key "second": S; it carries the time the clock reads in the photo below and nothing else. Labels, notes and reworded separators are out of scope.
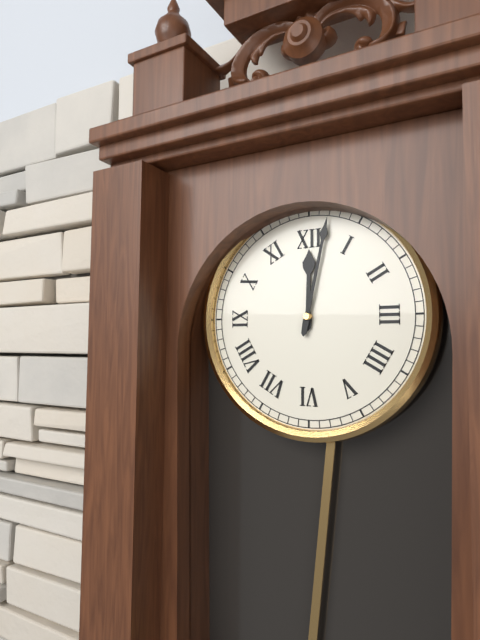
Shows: {"hour": 12, "minute": 2}
